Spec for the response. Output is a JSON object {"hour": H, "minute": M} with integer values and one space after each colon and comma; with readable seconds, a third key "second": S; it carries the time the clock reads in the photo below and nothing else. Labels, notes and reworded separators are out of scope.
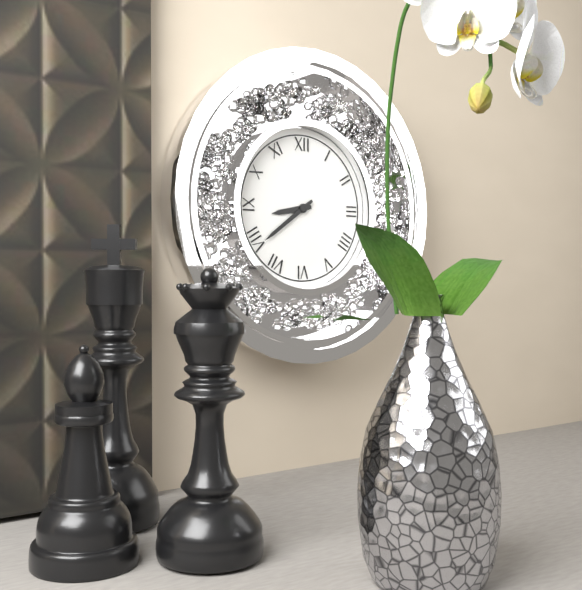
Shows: {"hour": 8, "minute": 39}
